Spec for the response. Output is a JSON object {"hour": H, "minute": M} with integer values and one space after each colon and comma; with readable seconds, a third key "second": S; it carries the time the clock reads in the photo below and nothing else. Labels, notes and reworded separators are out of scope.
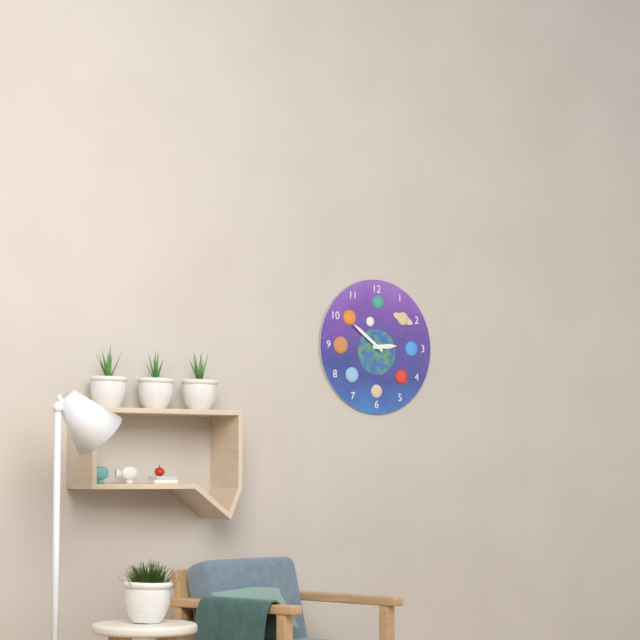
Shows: {"hour": 2, "minute": 51}
